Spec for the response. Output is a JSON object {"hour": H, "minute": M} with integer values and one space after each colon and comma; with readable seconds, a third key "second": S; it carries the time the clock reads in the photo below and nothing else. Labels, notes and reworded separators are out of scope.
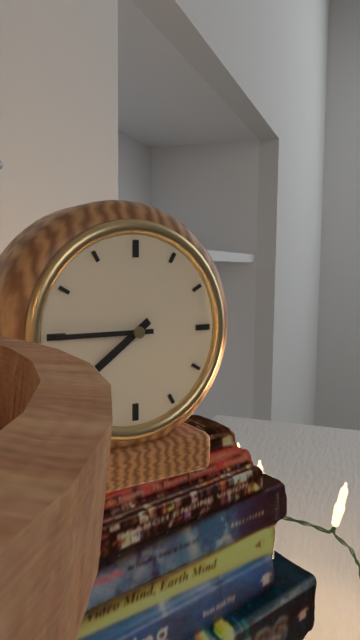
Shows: {"hour": 7, "minute": 45}
